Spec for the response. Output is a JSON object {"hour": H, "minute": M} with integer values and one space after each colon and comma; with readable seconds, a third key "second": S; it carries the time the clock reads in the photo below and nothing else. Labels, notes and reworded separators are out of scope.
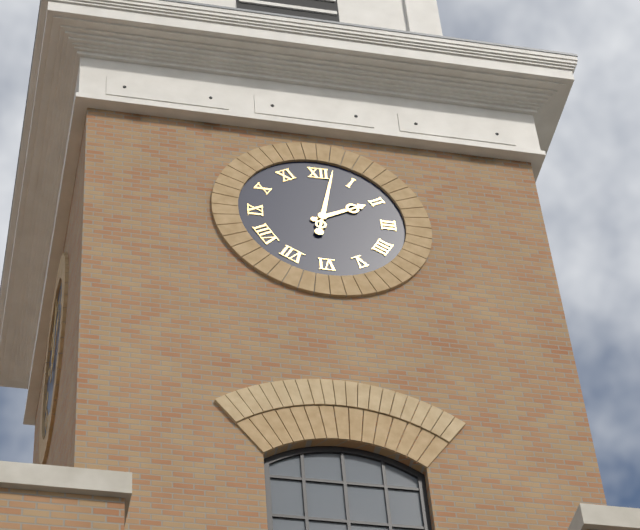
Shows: {"hour": 2, "minute": 2}
